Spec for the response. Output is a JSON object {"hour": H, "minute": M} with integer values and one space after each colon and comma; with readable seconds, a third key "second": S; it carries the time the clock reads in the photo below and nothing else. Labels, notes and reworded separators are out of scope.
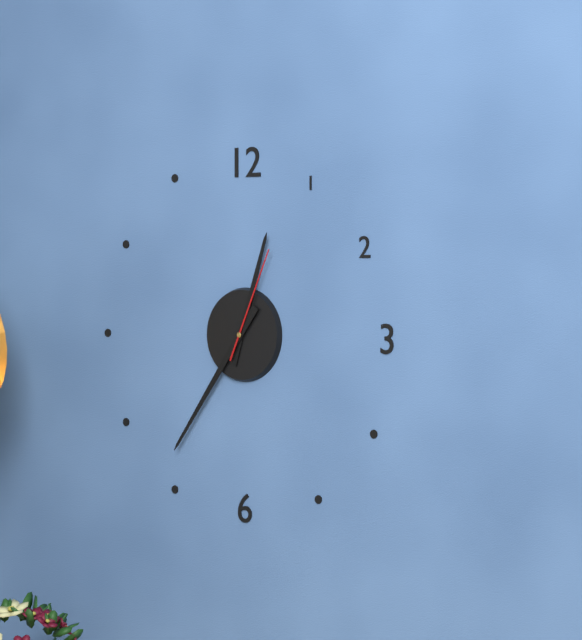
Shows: {"hour": 12, "minute": 36, "second": 4}
